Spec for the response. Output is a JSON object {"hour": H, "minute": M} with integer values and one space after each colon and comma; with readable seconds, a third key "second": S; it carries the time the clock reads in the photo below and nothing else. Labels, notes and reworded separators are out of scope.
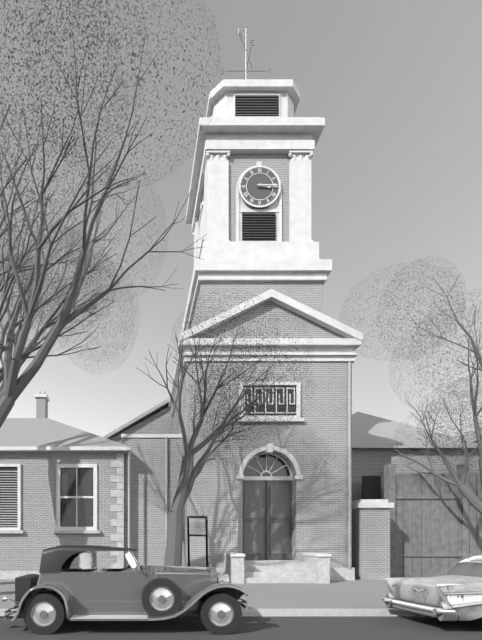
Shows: {"hour": 3, "minute": 15}
